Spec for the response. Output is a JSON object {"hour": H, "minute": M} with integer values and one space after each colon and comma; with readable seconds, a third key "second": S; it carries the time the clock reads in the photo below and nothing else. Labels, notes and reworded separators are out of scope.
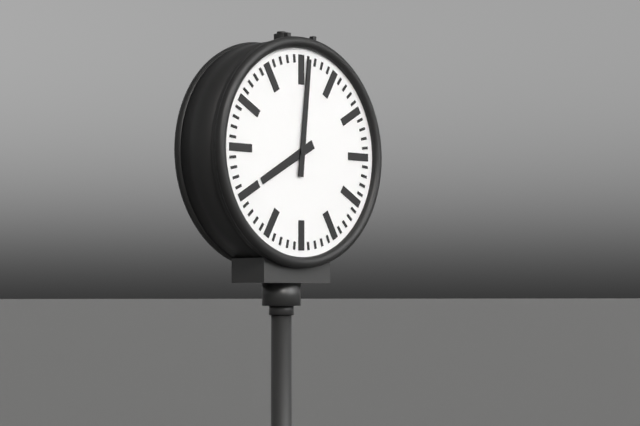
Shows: {"hour": 8, "minute": 1}
